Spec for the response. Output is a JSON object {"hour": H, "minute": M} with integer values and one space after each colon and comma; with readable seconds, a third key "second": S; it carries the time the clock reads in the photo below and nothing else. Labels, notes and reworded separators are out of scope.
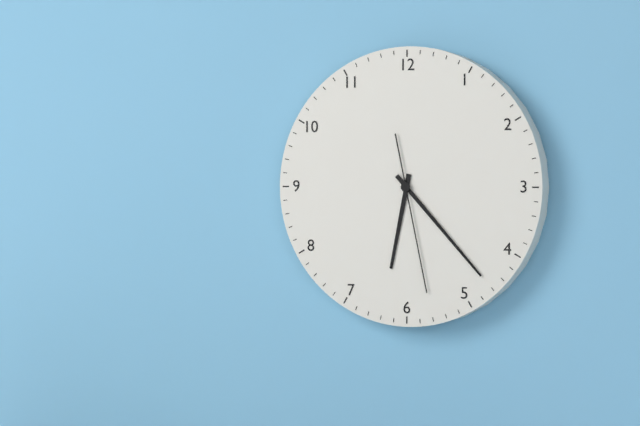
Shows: {"hour": 6, "minute": 23, "second": 28}
